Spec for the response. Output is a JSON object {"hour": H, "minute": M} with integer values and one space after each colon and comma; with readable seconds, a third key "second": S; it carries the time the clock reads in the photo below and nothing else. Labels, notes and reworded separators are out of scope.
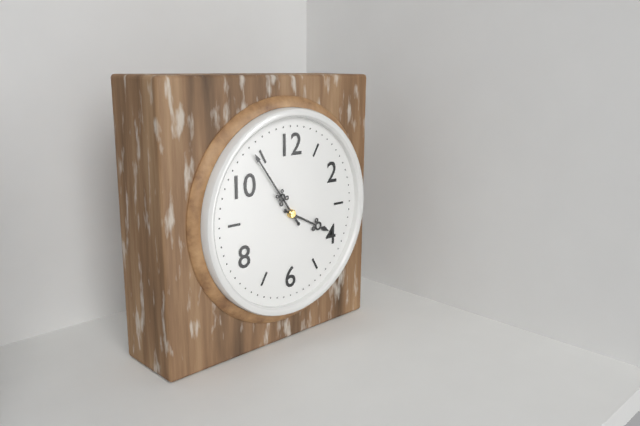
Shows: {"hour": 3, "minute": 54}
